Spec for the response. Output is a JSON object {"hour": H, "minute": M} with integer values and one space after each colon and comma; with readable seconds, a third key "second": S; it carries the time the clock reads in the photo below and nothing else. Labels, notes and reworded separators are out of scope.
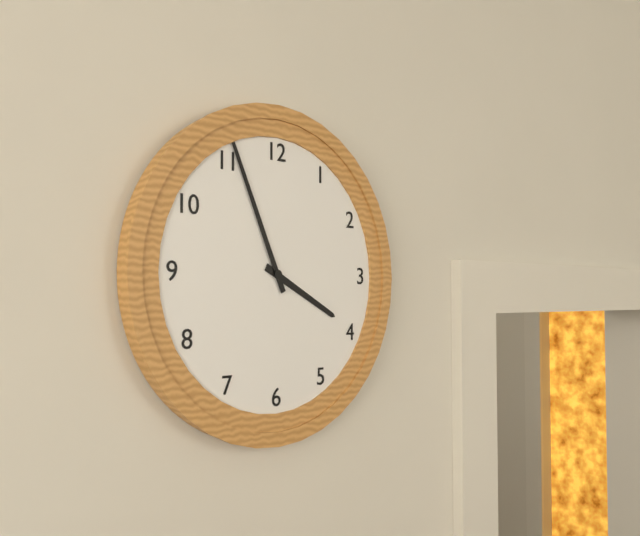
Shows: {"hour": 3, "minute": 56}
